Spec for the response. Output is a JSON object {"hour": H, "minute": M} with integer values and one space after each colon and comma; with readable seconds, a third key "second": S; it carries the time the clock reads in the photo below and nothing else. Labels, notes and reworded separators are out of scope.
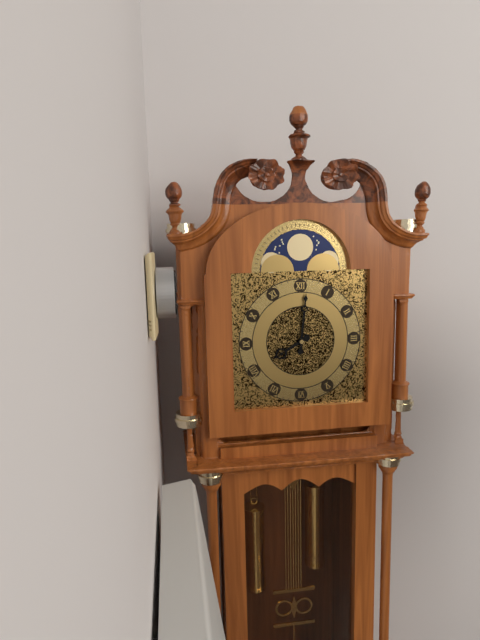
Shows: {"hour": 8, "minute": 1}
